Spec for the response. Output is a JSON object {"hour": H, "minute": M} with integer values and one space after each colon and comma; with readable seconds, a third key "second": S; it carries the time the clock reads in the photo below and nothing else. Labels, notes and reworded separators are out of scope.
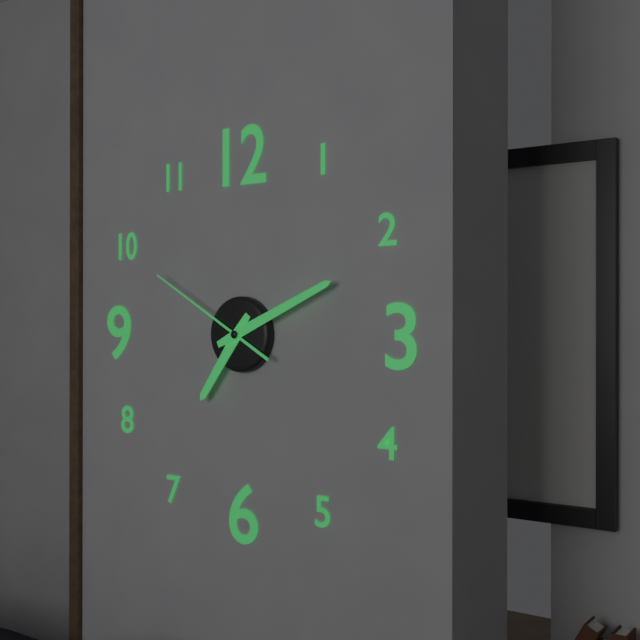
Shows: {"hour": 7, "minute": 11, "second": 50}
